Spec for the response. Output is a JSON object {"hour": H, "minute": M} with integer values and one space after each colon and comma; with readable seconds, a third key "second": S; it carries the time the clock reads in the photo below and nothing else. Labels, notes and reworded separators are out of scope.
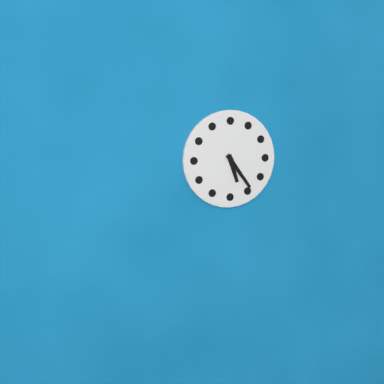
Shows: {"hour": 5, "minute": 24}
